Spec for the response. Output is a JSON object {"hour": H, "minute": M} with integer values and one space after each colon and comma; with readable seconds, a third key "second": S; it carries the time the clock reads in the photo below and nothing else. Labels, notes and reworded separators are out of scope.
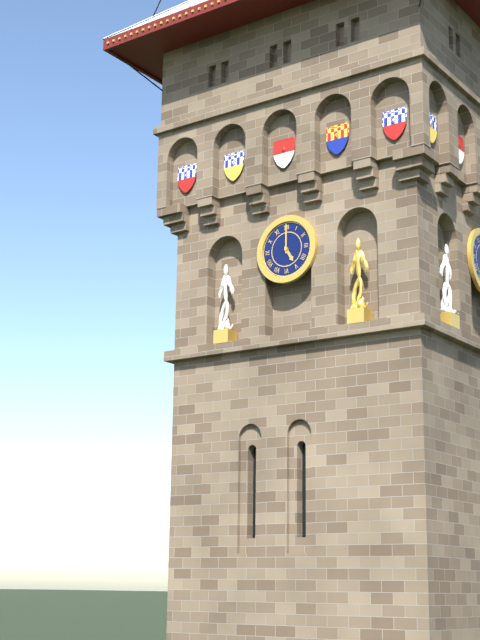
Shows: {"hour": 5, "minute": 0}
